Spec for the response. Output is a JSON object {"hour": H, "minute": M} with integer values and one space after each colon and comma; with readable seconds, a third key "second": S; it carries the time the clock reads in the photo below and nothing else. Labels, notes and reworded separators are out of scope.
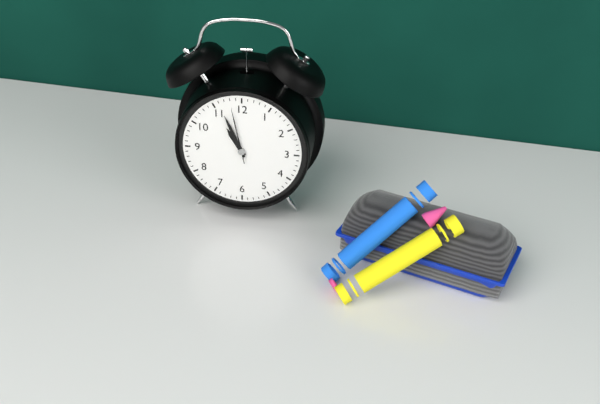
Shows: {"hour": 10, "minute": 56, "second": 58}
